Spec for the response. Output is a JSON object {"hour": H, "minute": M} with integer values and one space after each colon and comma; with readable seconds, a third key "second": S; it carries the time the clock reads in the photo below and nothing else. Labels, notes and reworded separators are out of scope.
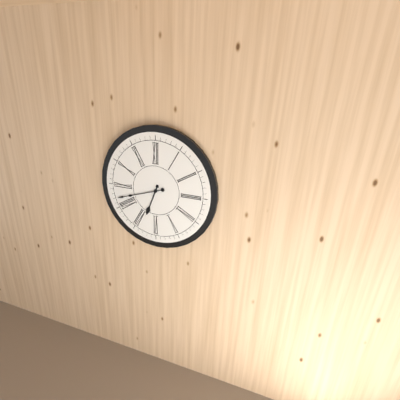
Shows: {"hour": 6, "minute": 42}
